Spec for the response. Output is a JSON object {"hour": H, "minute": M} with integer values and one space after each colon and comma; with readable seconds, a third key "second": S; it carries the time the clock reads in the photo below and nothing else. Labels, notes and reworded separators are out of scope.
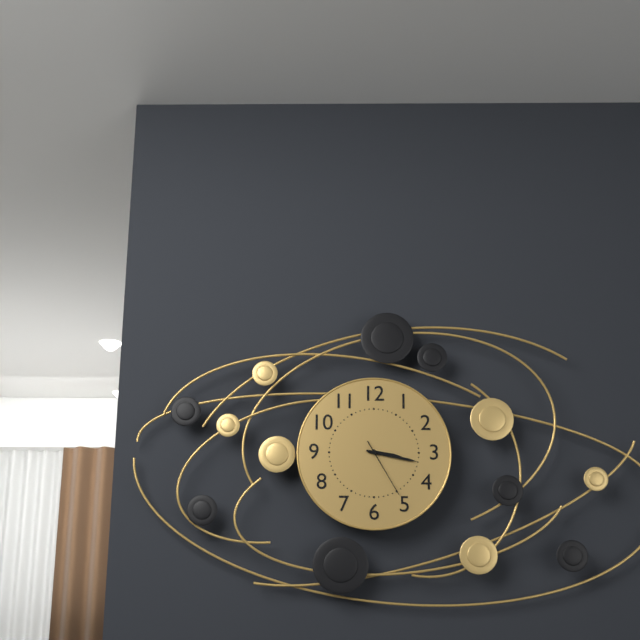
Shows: {"hour": 3, "minute": 17, "second": 25}
